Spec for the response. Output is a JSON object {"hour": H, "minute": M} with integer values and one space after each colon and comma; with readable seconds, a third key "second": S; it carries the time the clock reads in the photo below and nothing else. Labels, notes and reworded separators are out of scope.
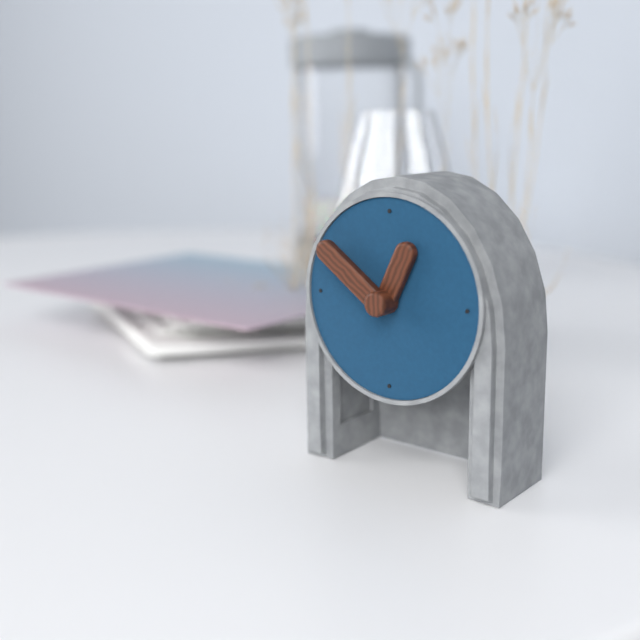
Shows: {"hour": 12, "minute": 51}
